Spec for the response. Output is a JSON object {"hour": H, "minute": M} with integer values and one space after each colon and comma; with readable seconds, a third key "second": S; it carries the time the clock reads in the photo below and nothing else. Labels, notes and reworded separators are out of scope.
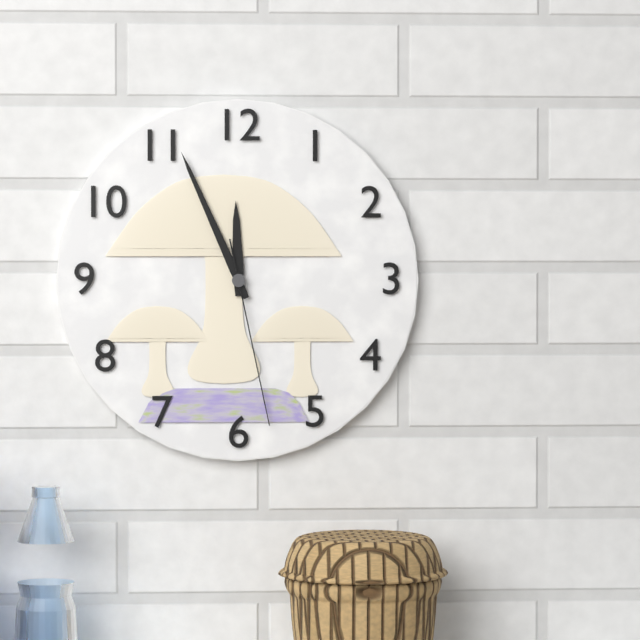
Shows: {"hour": 11, "minute": 56, "second": 28}
